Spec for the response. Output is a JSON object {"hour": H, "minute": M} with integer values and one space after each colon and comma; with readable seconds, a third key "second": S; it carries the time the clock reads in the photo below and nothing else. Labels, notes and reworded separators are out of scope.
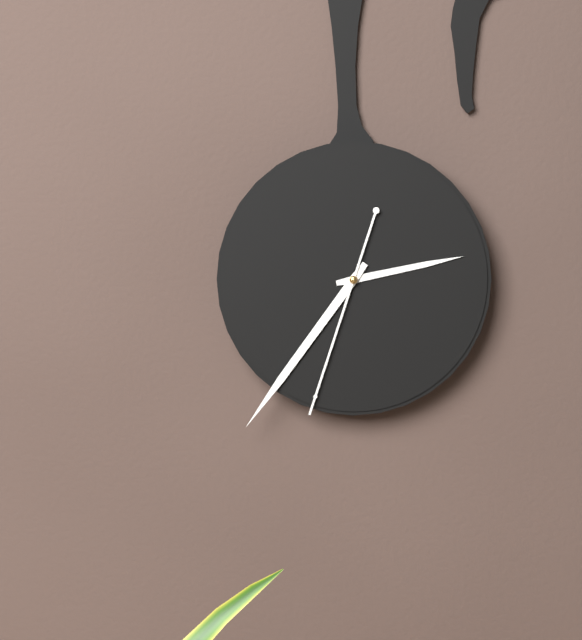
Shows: {"hour": 2, "minute": 36, "second": 33}
